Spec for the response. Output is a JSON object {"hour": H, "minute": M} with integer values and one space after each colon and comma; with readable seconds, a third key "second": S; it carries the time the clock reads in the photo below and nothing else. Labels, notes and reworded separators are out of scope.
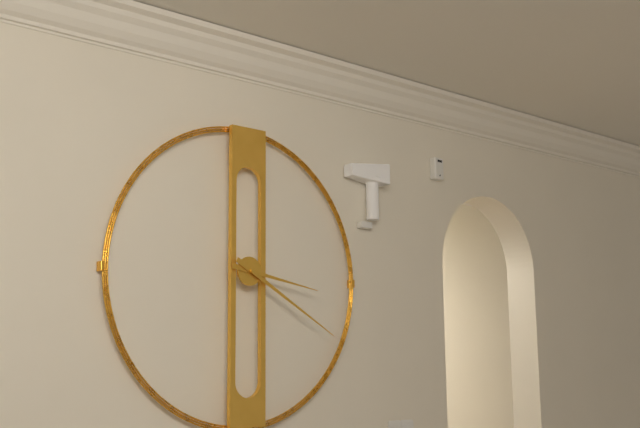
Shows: {"hour": 3, "minute": 20}
